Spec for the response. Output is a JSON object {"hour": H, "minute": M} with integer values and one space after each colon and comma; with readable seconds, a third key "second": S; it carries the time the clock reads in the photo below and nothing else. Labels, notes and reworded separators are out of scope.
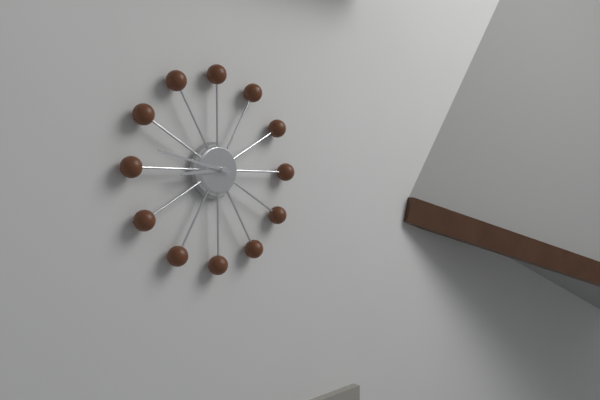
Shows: {"hour": 8, "minute": 47}
